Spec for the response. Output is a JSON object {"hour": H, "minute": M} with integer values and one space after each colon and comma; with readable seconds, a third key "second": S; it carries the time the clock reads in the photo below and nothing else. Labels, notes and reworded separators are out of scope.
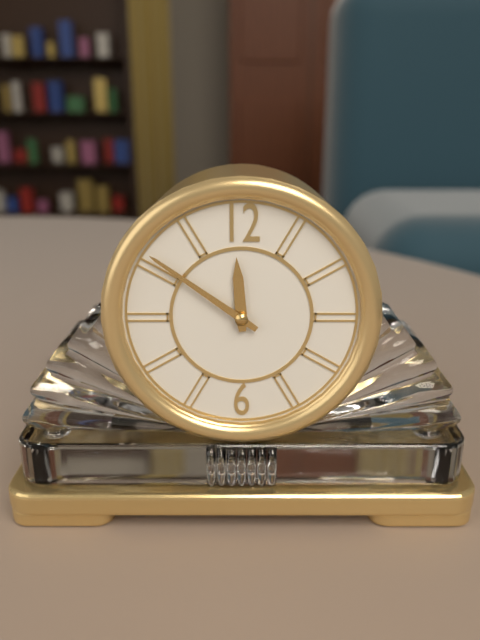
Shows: {"hour": 11, "minute": 51}
